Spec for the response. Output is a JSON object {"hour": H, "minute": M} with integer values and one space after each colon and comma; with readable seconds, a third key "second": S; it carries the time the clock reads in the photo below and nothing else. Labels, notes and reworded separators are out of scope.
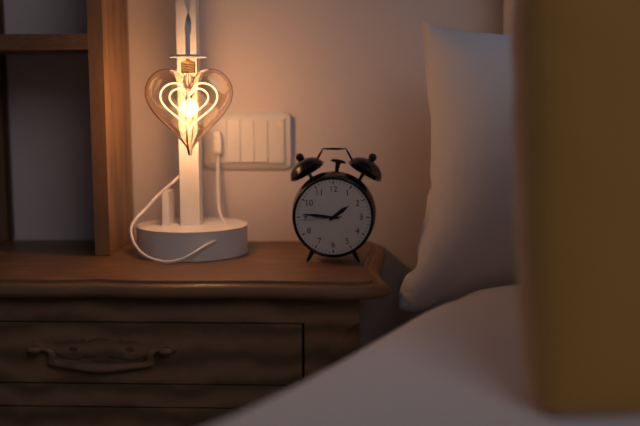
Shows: {"hour": 1, "minute": 46}
